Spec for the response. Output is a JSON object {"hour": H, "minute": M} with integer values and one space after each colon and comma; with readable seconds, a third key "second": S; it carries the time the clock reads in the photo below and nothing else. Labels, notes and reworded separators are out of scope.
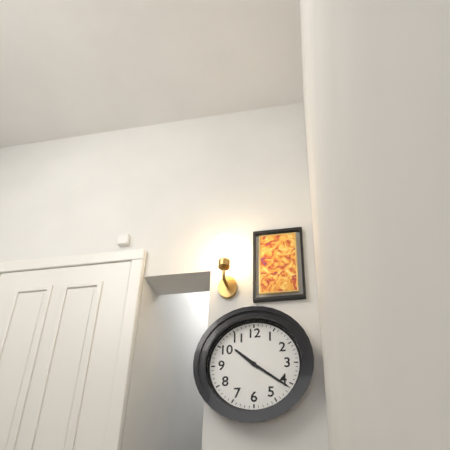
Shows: {"hour": 10, "minute": 21}
